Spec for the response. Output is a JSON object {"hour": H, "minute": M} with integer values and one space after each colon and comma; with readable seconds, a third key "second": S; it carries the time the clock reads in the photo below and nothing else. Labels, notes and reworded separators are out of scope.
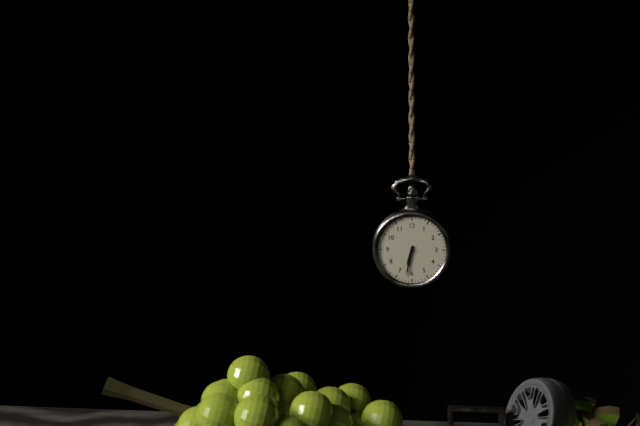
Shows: {"hour": 6, "minute": 32}
